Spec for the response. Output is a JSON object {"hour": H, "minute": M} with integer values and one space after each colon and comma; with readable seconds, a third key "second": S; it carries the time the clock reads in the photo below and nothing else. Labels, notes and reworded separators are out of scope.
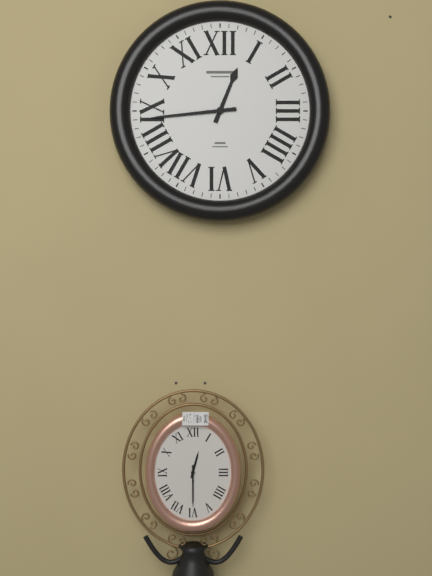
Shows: {"hour": 12, "minute": 44}
